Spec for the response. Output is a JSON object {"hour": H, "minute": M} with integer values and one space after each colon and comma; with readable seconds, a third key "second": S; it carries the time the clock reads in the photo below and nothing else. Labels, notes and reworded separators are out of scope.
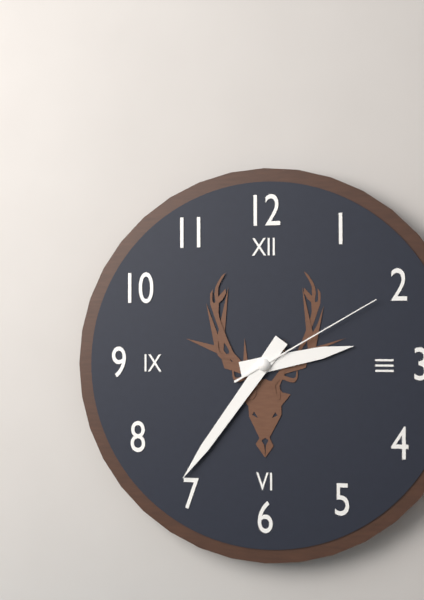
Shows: {"hour": 2, "minute": 36, "second": 10}
